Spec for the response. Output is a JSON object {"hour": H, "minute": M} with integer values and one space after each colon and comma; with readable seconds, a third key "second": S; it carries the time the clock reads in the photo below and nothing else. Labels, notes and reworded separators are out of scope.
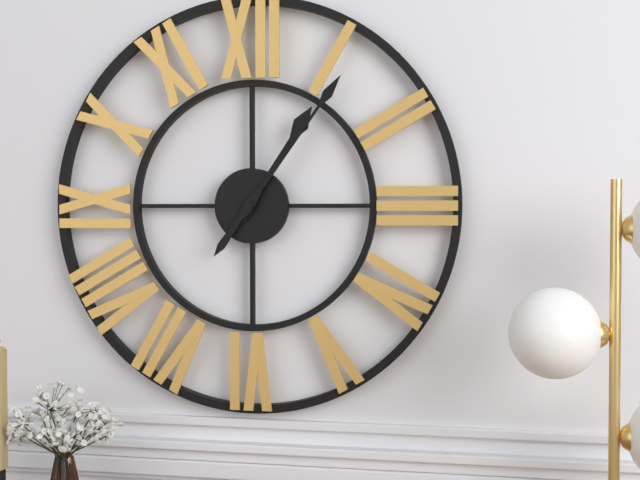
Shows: {"hour": 1, "minute": 6}
